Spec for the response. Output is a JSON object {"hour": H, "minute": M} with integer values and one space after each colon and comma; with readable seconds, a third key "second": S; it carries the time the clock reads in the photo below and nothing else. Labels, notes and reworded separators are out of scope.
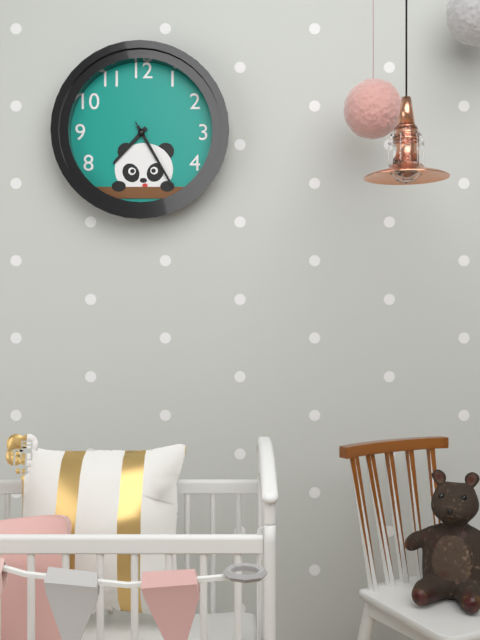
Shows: {"hour": 7, "minute": 25, "second": 25}
